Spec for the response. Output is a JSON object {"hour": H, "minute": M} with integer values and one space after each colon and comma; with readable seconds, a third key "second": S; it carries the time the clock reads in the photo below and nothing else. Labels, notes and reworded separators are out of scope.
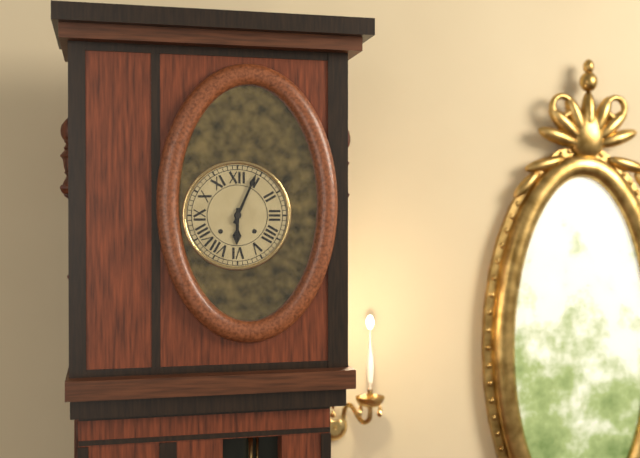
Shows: {"hour": 6, "minute": 4}
